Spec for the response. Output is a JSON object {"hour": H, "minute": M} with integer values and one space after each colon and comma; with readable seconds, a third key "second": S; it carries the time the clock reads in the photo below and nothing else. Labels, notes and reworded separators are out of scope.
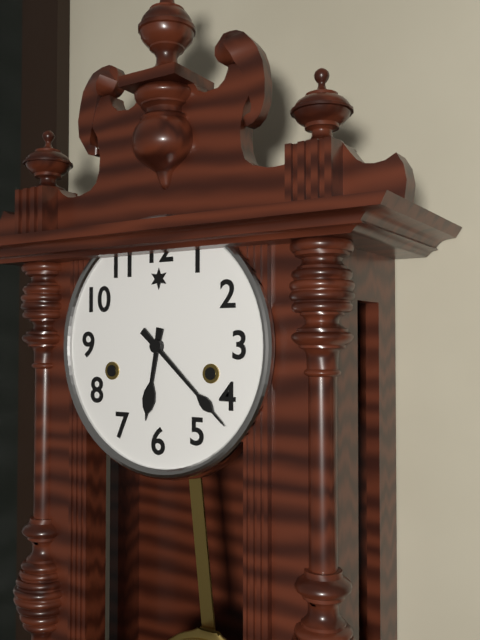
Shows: {"hour": 6, "minute": 22}
